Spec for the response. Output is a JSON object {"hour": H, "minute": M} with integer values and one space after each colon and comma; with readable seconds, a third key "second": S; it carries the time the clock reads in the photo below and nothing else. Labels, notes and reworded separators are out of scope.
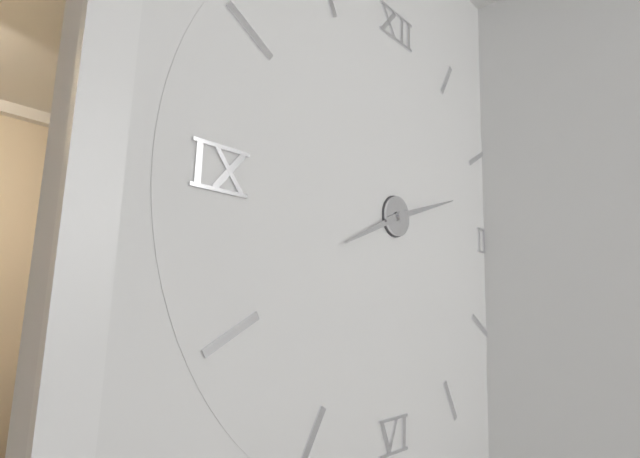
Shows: {"hour": 8, "minute": 12}
